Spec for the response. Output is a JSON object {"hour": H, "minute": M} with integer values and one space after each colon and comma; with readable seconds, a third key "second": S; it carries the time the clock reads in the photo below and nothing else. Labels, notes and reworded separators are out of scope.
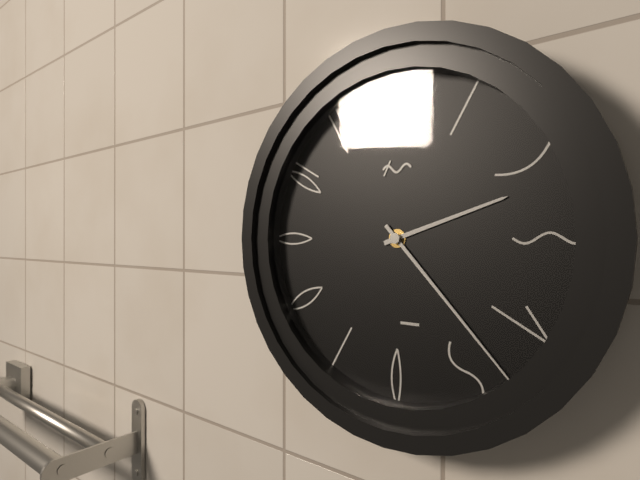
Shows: {"hour": 2, "minute": 23}
